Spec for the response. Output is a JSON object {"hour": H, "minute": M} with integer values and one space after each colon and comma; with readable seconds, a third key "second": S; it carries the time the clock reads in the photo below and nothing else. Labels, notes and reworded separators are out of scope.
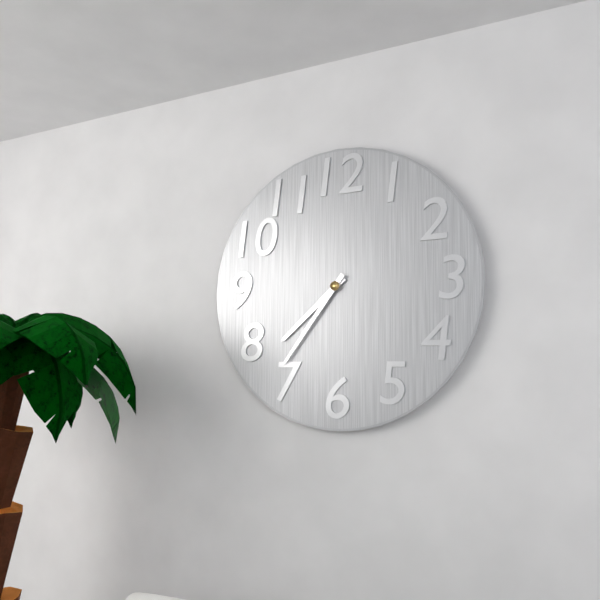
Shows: {"hour": 7, "minute": 36}
